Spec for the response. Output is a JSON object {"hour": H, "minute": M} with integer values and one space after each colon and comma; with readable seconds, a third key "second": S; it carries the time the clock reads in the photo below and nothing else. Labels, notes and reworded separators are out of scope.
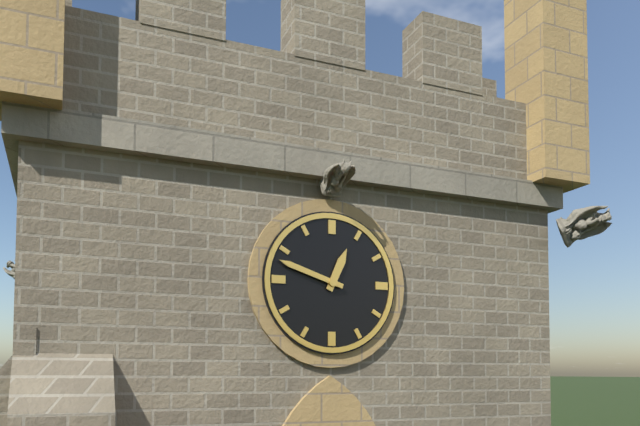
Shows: {"hour": 12, "minute": 48}
